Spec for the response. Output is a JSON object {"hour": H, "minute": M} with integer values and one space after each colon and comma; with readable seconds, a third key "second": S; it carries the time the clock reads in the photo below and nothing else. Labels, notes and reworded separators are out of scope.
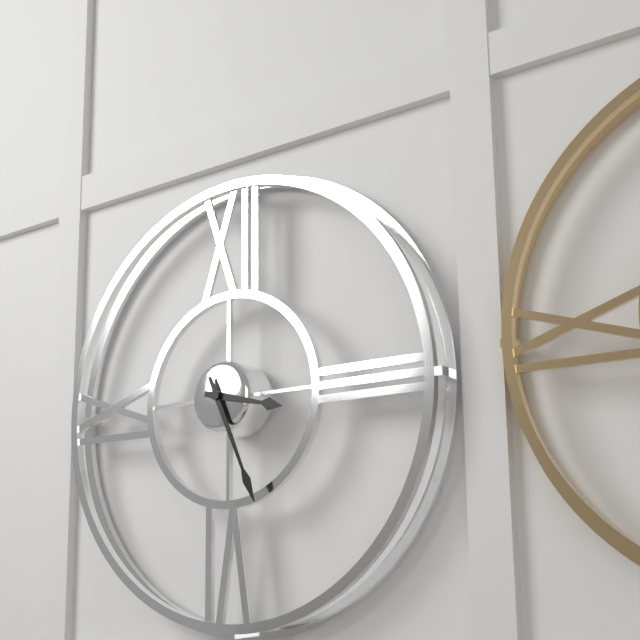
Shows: {"hour": 3, "minute": 26}
